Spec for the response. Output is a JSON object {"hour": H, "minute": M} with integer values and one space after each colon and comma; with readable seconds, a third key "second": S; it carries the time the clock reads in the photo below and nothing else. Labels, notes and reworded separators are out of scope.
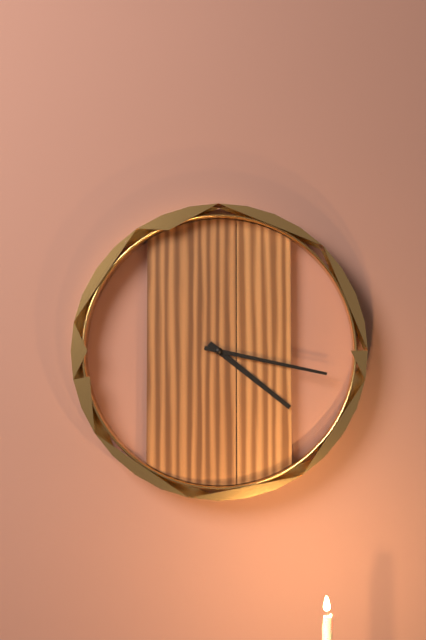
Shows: {"hour": 4, "minute": 17}
